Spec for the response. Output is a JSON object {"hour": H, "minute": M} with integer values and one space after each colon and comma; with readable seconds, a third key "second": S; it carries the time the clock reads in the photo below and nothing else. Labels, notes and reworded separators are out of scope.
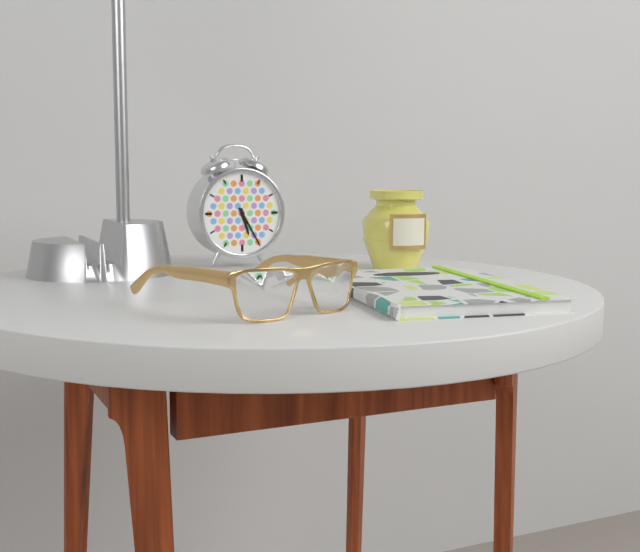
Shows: {"hour": 5, "minute": 25}
